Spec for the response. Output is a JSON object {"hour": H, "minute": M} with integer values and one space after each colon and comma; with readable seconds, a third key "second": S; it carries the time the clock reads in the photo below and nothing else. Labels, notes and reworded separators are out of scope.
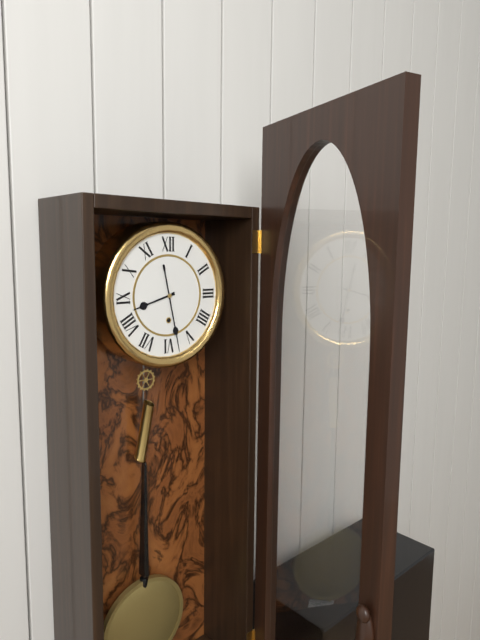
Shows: {"hour": 8, "minute": 28}
